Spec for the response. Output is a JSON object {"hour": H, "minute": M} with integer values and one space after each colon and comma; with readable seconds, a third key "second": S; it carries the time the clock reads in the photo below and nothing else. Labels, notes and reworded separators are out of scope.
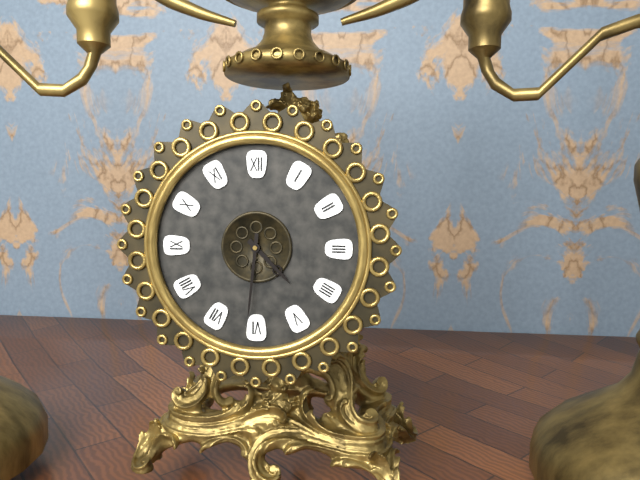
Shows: {"hour": 4, "minute": 31}
